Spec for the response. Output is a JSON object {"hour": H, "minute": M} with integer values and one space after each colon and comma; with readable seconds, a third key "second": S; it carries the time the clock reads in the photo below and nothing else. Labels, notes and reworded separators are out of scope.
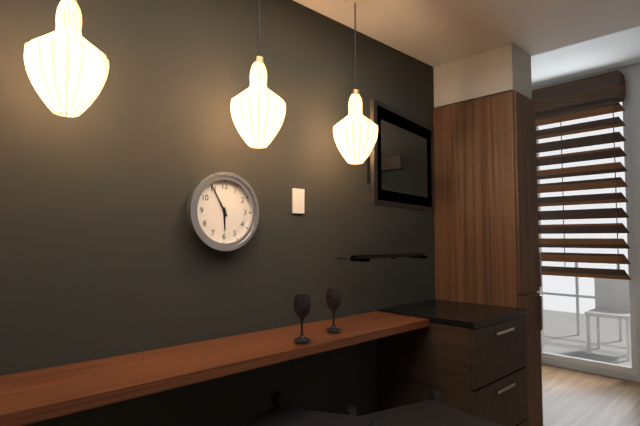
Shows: {"hour": 5, "minute": 55}
